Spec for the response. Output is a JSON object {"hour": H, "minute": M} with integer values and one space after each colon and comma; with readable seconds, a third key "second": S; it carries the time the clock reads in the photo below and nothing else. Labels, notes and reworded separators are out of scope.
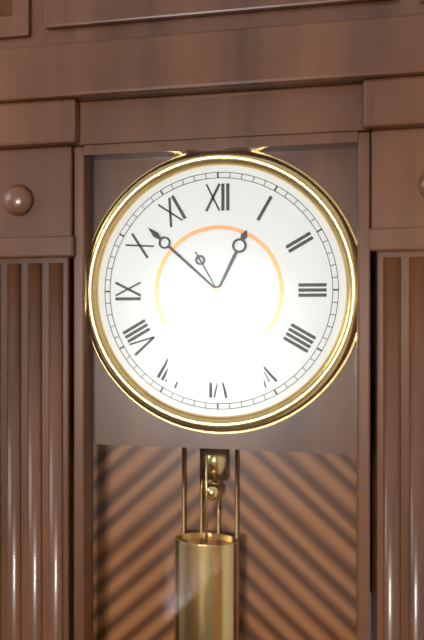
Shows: {"hour": 12, "minute": 52, "second": 25}
